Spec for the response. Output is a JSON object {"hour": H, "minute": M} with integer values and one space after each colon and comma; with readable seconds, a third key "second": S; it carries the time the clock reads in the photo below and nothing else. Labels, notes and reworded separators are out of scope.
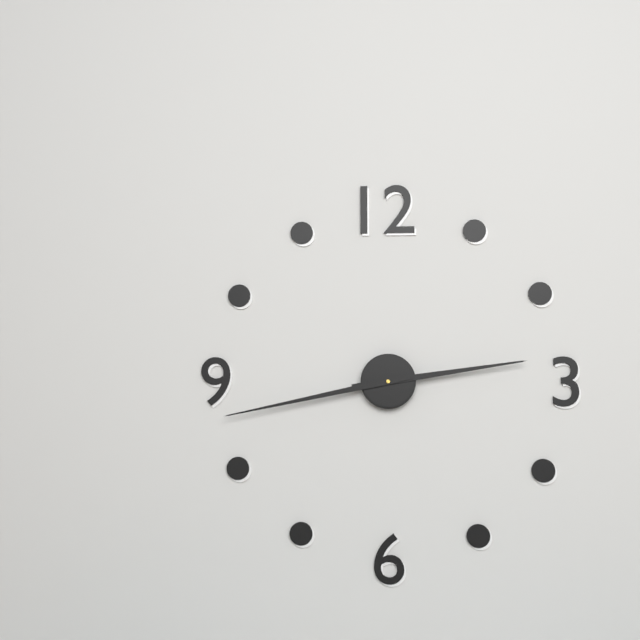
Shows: {"hour": 2, "minute": 43}
